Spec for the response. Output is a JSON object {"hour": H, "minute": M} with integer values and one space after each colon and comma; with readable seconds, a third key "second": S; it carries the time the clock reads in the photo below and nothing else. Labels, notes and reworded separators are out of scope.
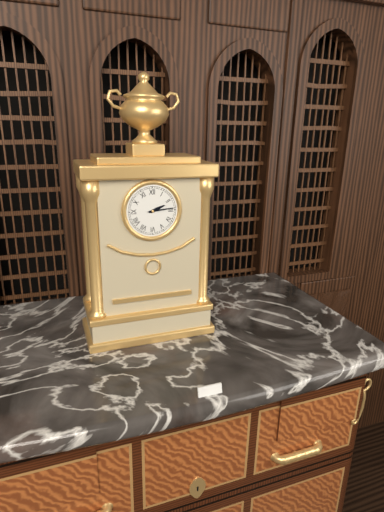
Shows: {"hour": 2, "minute": 14}
